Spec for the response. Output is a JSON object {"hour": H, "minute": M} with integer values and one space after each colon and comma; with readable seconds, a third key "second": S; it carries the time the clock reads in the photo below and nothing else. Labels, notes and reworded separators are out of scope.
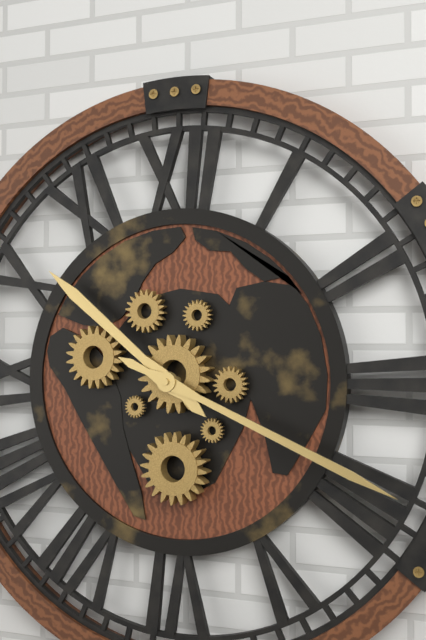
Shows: {"hour": 10, "minute": 19}
